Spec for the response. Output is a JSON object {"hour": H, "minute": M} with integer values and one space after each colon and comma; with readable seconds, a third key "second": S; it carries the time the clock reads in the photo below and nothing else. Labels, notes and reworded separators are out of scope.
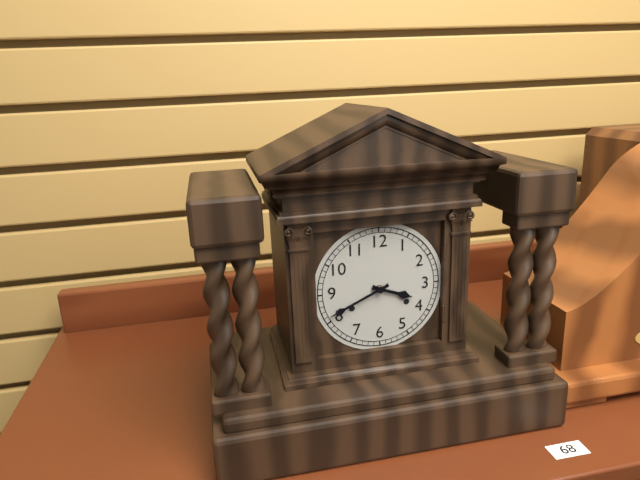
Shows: {"hour": 3, "minute": 41}
